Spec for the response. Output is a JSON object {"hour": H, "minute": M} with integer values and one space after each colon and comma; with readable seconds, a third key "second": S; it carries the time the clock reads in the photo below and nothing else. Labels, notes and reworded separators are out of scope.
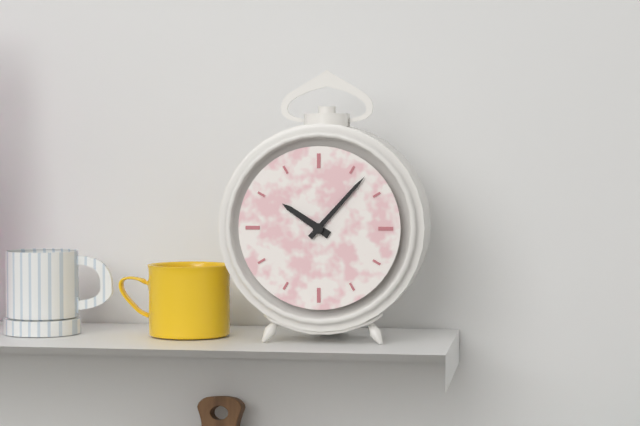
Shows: {"hour": 10, "minute": 7}
